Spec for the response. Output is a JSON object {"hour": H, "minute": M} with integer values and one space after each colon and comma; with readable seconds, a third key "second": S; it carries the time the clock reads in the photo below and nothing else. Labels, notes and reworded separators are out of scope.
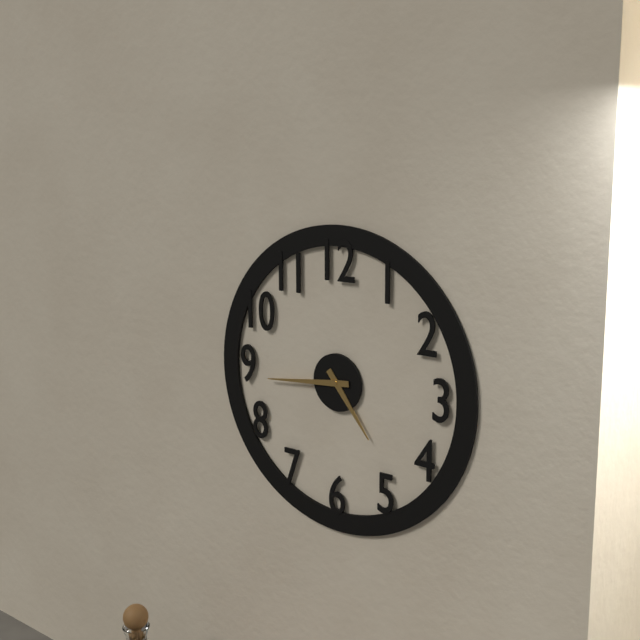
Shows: {"hour": 4, "minute": 44}
